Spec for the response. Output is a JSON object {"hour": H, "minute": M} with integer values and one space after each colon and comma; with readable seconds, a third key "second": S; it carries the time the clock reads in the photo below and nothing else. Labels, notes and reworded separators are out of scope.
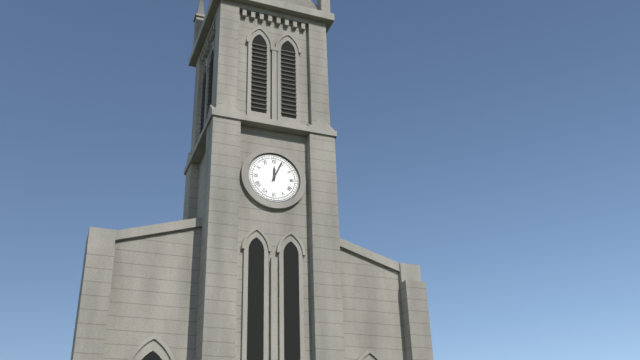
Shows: {"hour": 12, "minute": 4}
